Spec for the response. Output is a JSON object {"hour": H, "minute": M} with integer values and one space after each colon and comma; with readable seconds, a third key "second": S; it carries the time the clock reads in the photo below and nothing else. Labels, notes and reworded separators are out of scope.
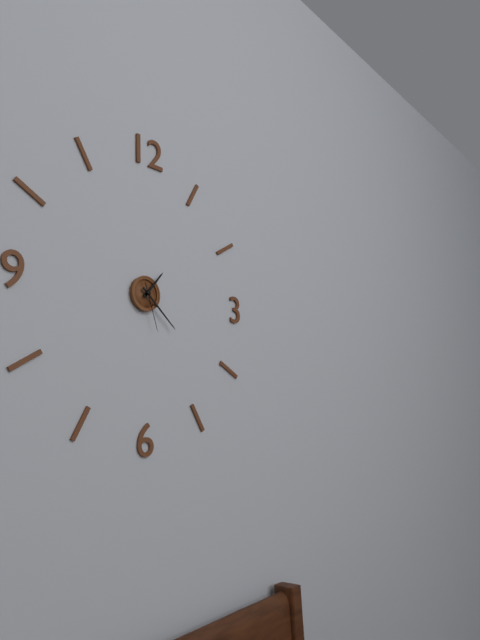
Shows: {"hour": 1, "minute": 22}
